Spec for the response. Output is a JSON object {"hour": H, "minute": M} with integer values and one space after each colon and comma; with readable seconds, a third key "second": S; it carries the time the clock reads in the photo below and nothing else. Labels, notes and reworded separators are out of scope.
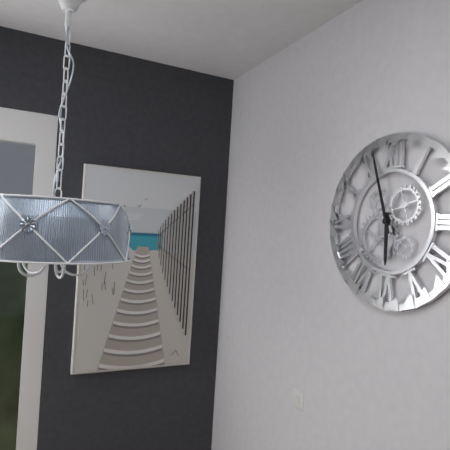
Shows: {"hour": 5, "minute": 57}
